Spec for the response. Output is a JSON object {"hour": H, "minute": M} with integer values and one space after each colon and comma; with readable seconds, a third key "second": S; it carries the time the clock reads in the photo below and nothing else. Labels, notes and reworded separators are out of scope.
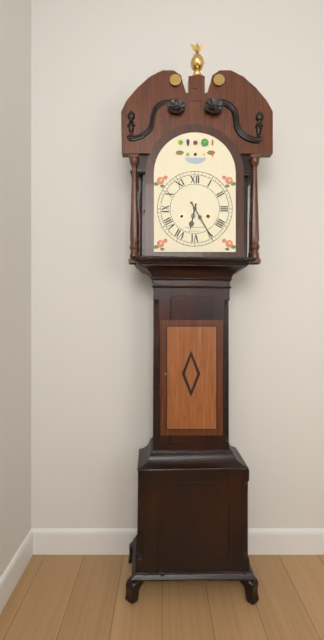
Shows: {"hour": 6, "minute": 25}
